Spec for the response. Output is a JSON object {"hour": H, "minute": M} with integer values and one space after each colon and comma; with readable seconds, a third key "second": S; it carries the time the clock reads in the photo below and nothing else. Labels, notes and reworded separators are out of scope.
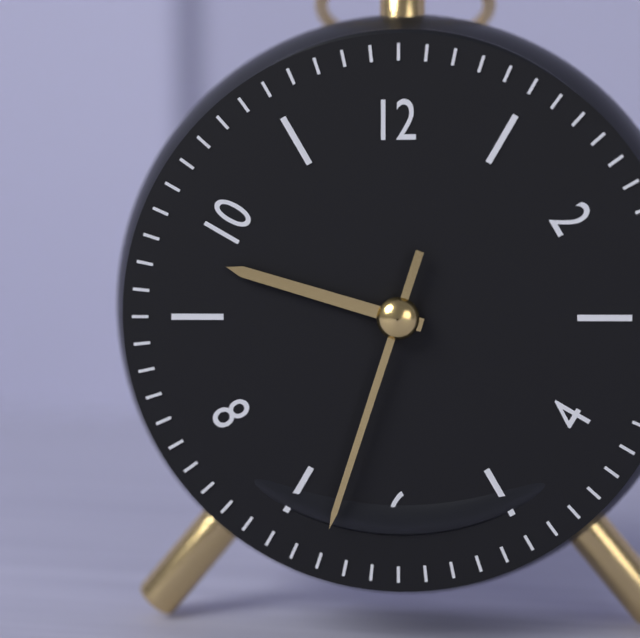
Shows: {"hour": 9, "minute": 33}
